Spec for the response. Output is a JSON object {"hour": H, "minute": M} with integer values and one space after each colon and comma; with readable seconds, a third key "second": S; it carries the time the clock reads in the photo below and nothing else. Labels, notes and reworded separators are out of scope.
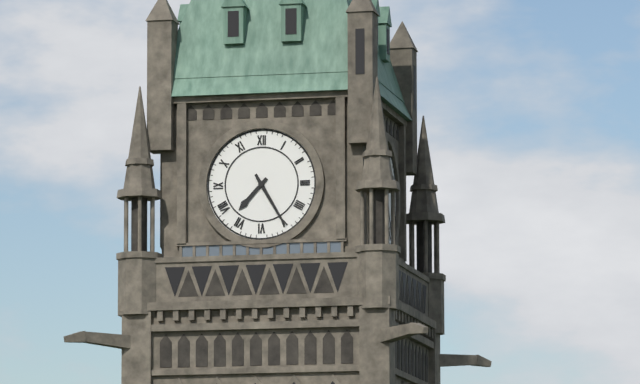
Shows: {"hour": 7, "minute": 25}
